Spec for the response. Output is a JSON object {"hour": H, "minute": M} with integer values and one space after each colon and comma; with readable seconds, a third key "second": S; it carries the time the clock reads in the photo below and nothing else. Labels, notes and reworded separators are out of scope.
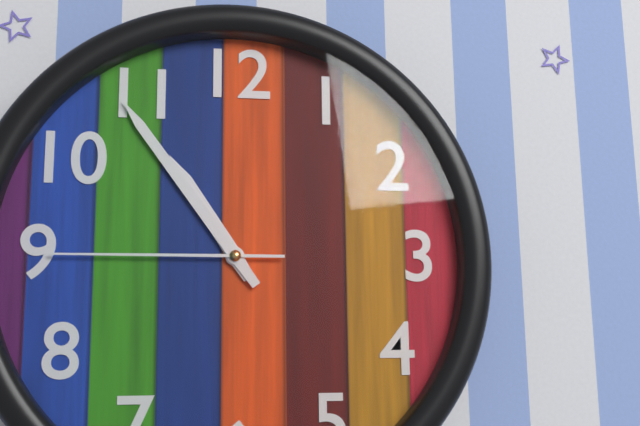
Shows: {"hour": 10, "minute": 54, "second": 45}
